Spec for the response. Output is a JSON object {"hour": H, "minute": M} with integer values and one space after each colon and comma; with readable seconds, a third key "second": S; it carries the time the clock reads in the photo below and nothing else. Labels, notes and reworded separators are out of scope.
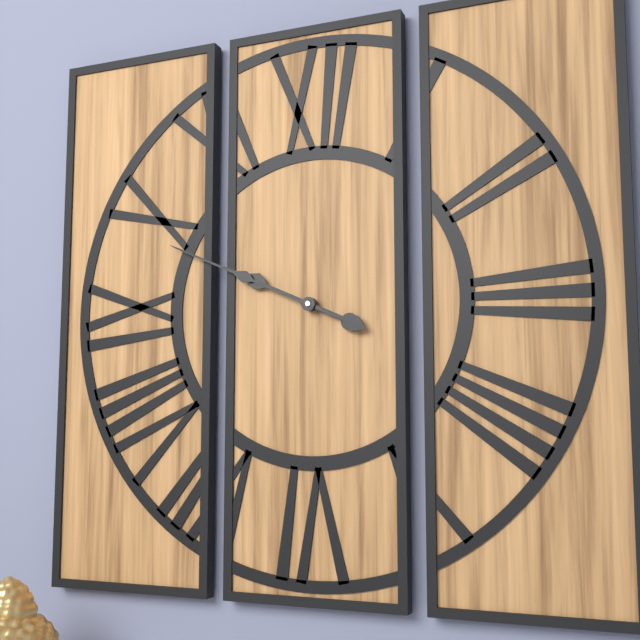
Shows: {"hour": 9, "minute": 49}
